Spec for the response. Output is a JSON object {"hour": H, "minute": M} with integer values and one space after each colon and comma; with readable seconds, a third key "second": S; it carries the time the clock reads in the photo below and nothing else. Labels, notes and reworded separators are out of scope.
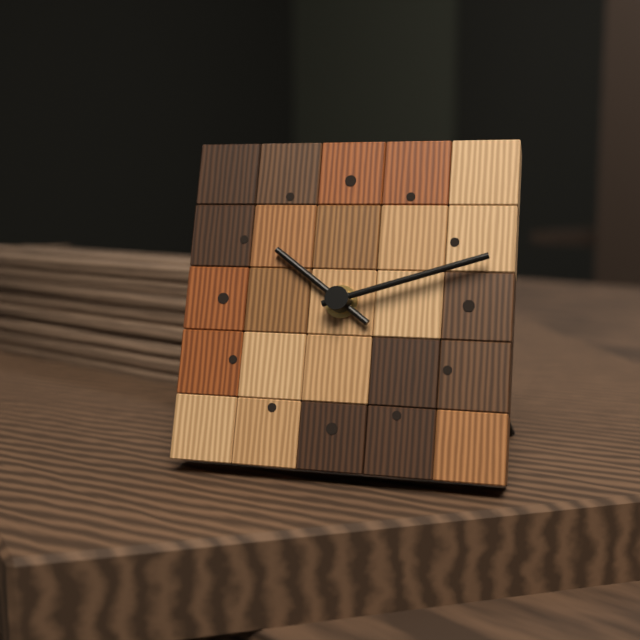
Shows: {"hour": 10, "minute": 12}
